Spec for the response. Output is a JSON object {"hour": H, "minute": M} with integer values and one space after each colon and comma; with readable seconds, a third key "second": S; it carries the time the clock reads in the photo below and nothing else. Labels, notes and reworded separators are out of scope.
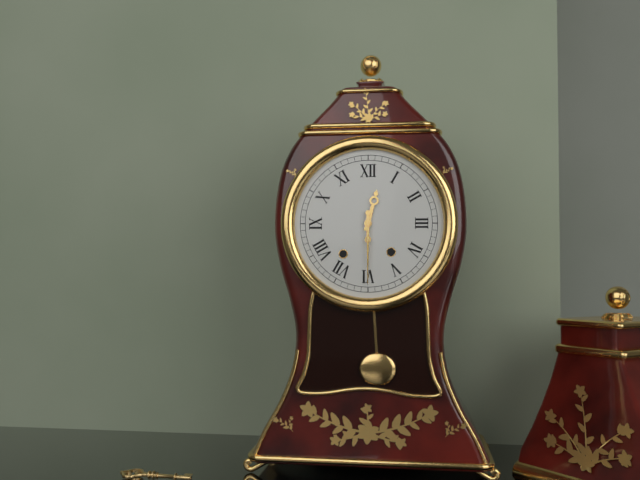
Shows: {"hour": 12, "minute": 30}
